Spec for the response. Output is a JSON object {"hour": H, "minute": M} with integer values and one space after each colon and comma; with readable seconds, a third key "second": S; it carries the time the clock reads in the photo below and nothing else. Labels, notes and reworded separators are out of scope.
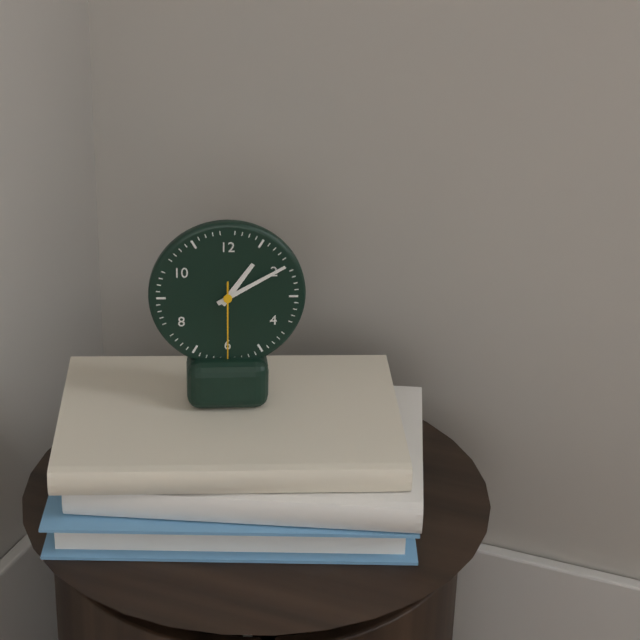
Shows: {"hour": 1, "minute": 10, "second": 30}
